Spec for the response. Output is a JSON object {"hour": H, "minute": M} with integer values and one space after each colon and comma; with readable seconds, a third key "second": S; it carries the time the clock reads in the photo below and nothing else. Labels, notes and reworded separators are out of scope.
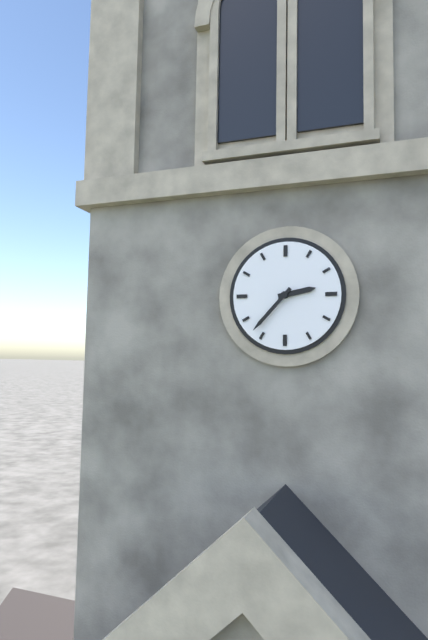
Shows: {"hour": 2, "minute": 37}
